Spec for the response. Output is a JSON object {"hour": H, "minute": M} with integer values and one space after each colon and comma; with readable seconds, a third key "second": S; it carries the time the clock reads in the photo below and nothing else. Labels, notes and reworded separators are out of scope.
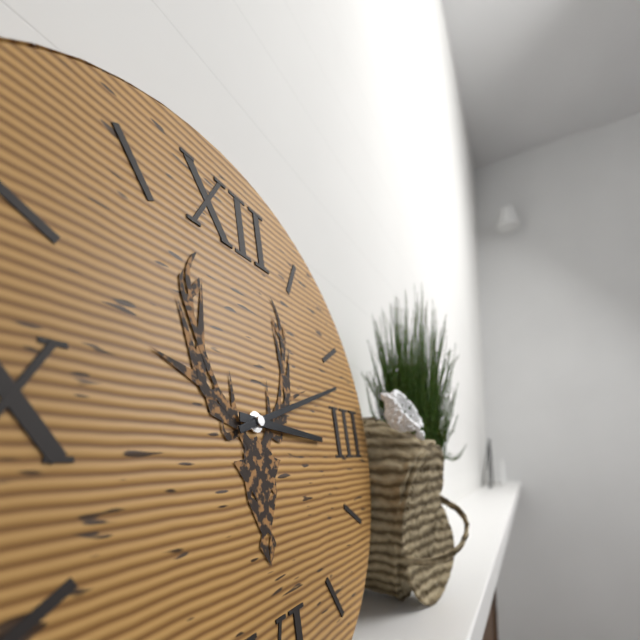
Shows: {"hour": 3, "minute": 12}
